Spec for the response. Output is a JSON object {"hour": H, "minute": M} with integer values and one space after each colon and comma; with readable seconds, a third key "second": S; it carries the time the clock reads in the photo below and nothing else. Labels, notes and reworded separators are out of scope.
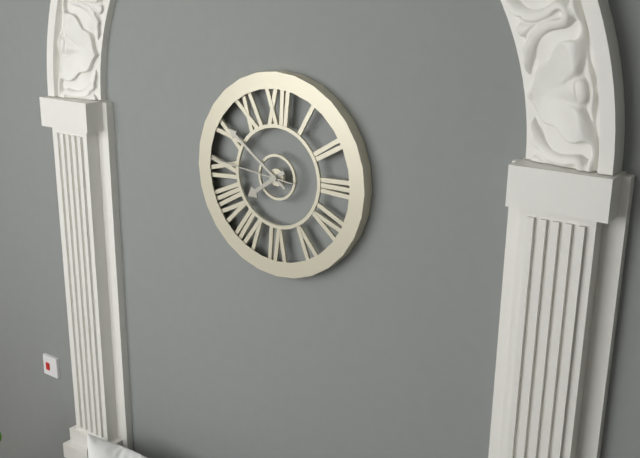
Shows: {"hour": 7, "minute": 51, "second": 46}
